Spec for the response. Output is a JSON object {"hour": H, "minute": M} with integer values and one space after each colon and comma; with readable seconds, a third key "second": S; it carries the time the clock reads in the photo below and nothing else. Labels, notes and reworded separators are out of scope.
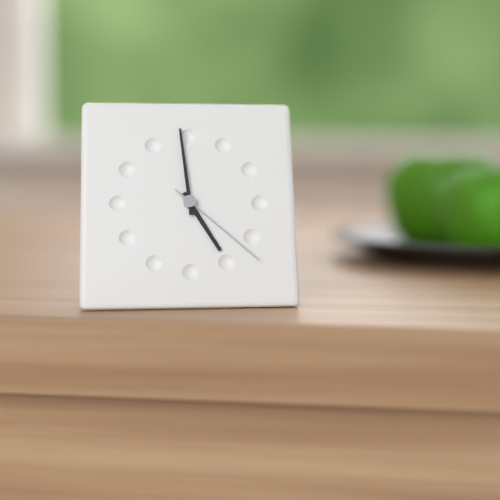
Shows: {"hour": 4, "minute": 59, "second": 22}
